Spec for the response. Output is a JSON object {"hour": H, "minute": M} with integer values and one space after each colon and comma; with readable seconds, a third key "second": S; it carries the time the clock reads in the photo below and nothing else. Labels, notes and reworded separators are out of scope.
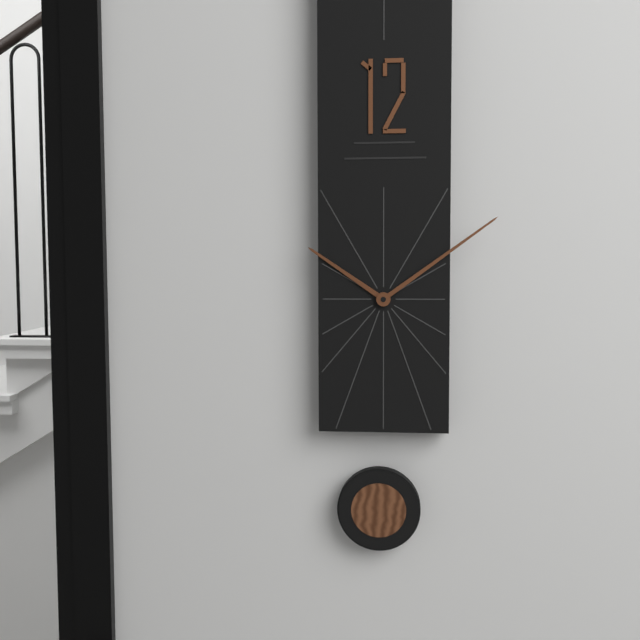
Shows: {"hour": 10, "minute": 9}
